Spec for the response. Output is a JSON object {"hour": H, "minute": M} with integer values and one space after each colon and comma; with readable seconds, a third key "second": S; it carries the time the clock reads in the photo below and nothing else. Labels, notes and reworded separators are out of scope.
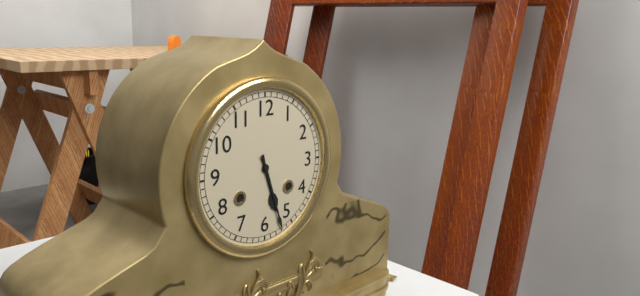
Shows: {"hour": 5, "minute": 27}
